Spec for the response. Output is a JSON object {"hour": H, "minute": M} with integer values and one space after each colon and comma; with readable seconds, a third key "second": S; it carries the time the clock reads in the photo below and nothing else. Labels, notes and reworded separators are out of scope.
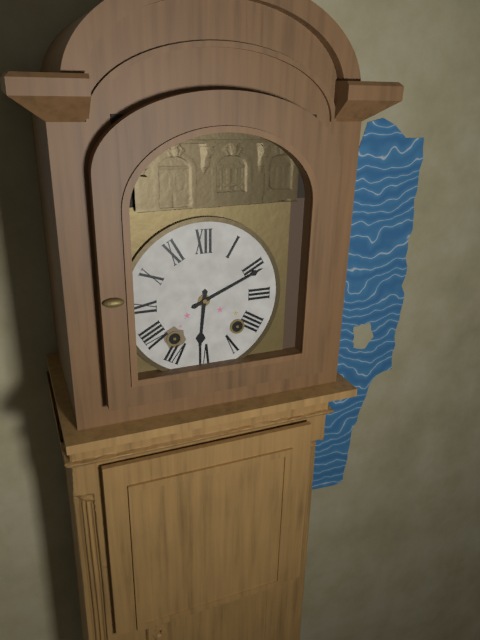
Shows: {"hour": 6, "minute": 11}
